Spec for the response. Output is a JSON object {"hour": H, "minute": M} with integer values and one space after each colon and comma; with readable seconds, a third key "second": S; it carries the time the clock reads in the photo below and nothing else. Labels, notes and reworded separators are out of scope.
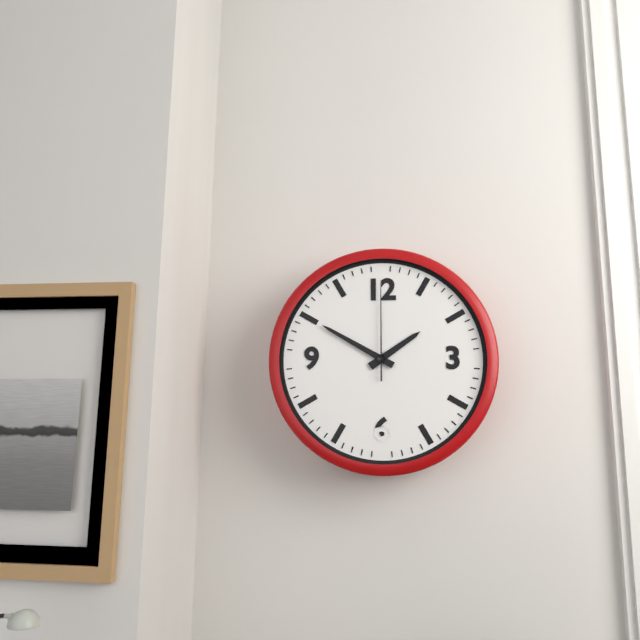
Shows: {"hour": 1, "minute": 50, "second": 0}
